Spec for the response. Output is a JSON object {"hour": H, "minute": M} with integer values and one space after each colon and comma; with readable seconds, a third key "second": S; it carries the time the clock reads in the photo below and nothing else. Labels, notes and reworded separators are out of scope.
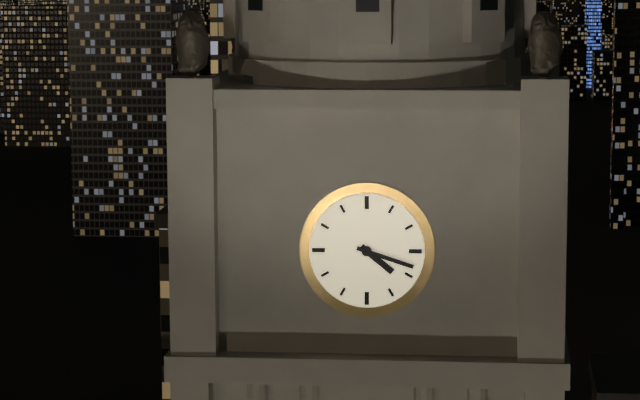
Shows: {"hour": 4, "minute": 18}
